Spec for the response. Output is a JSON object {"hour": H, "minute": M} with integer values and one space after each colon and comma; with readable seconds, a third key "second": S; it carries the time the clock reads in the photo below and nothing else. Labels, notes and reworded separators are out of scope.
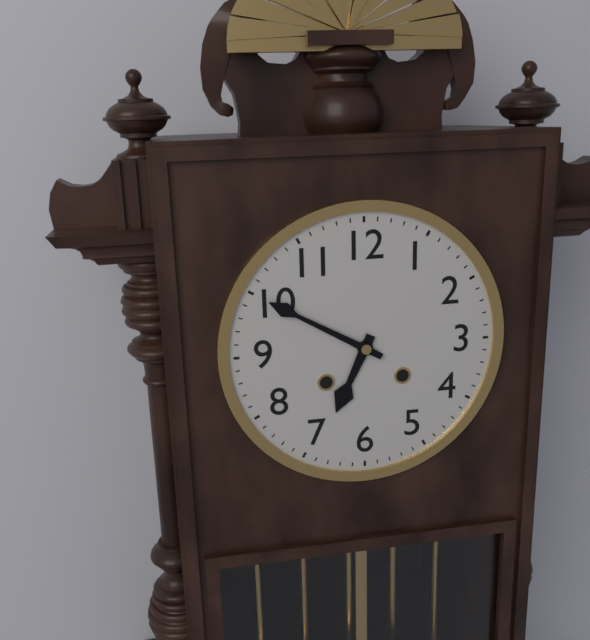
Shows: {"hour": 6, "minute": 50}
